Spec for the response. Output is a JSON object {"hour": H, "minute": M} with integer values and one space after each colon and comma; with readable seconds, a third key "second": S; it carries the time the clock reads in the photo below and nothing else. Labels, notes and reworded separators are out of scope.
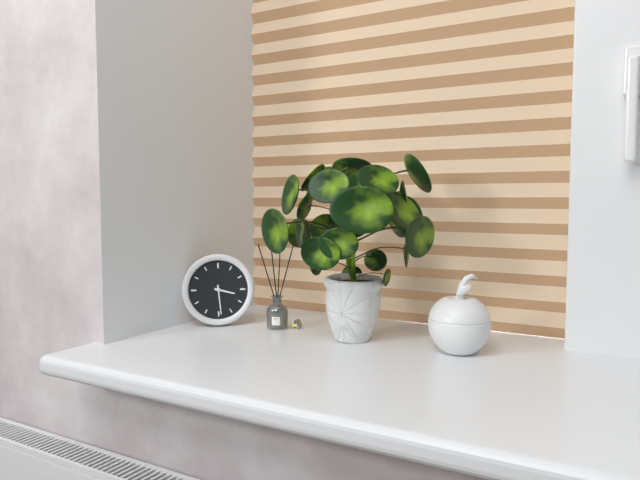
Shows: {"hour": 3, "minute": 29}
